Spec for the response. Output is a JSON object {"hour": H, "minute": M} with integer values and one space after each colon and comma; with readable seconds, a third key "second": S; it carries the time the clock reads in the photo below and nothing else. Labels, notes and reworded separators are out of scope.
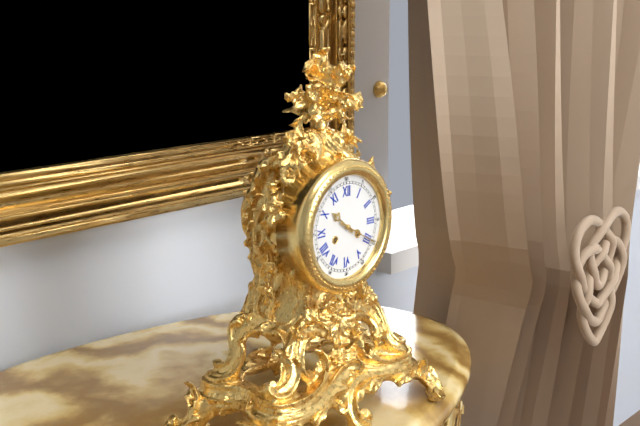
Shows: {"hour": 10, "minute": 20}
